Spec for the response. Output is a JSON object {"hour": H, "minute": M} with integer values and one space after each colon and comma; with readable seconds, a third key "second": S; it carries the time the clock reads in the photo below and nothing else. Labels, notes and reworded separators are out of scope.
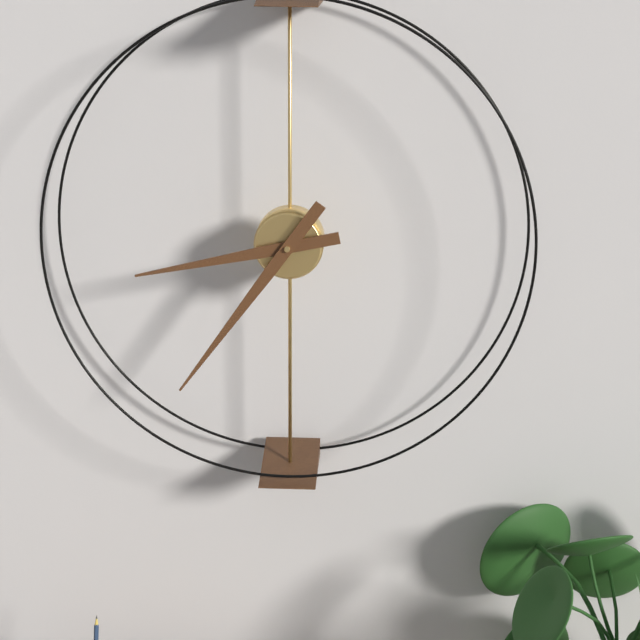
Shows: {"hour": 8, "minute": 36}
